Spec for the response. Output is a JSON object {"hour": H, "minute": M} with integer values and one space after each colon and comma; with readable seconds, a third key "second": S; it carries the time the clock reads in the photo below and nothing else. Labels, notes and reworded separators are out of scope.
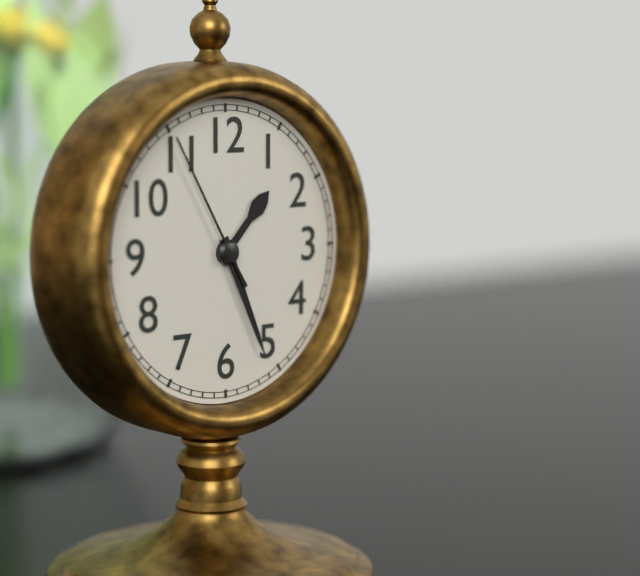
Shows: {"hour": 1, "minute": 26, "second": 55}
